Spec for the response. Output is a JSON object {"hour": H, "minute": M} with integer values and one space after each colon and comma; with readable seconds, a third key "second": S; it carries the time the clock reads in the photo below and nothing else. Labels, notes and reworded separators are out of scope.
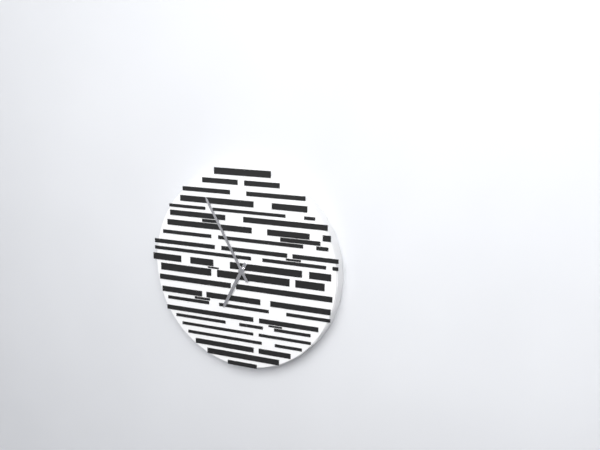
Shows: {"hour": 6, "minute": 55}
